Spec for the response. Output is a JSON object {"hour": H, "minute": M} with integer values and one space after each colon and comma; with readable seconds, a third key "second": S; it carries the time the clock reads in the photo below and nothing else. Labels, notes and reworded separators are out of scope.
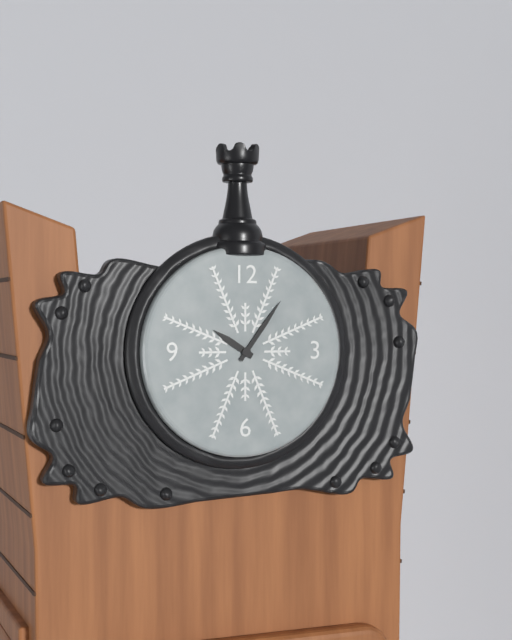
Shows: {"hour": 10, "minute": 6}
